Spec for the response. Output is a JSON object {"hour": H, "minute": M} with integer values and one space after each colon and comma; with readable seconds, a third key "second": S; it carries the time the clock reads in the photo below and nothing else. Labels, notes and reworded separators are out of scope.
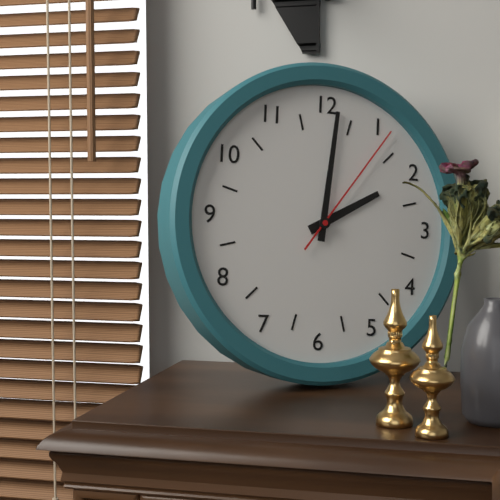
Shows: {"hour": 2, "minute": 1, "second": 6}
